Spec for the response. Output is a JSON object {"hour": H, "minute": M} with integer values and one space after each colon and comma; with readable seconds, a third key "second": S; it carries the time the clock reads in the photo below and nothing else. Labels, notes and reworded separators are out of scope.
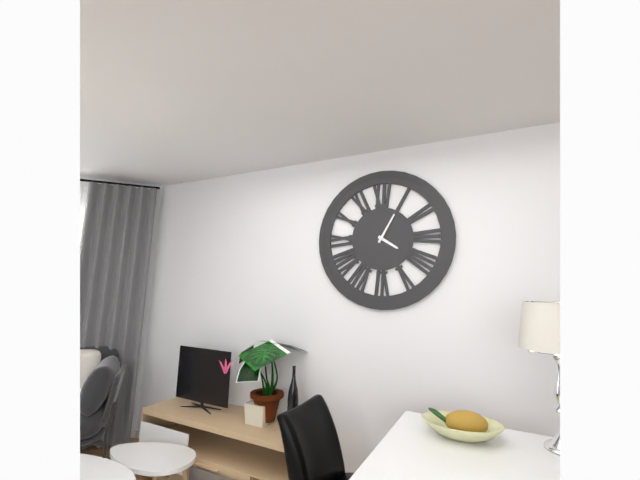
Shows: {"hour": 4, "minute": 5}
